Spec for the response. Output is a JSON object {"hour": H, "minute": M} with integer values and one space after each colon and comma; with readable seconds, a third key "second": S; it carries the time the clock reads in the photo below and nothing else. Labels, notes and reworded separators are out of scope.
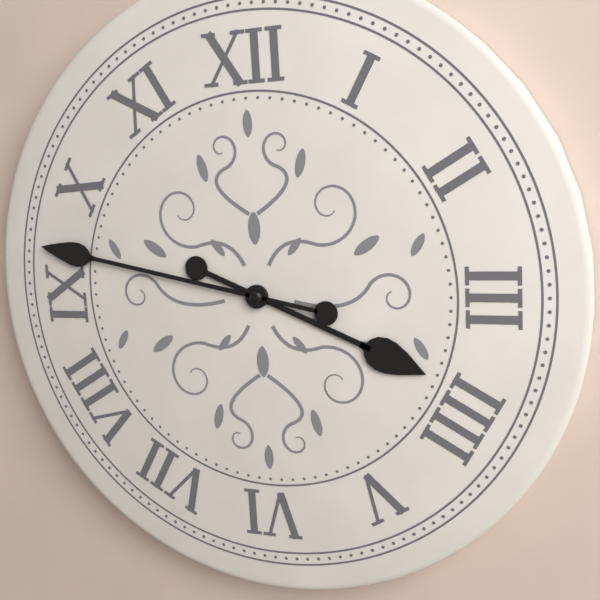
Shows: {"hour": 3, "minute": 47}
